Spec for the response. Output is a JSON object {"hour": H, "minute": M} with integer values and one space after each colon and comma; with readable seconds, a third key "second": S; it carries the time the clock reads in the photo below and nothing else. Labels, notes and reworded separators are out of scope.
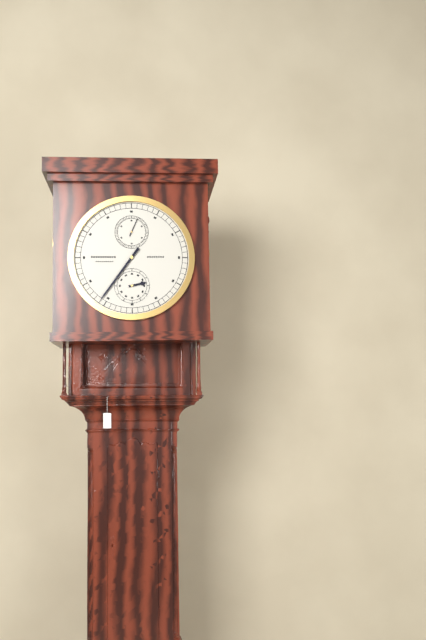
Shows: {"hour": 2, "minute": 36}
